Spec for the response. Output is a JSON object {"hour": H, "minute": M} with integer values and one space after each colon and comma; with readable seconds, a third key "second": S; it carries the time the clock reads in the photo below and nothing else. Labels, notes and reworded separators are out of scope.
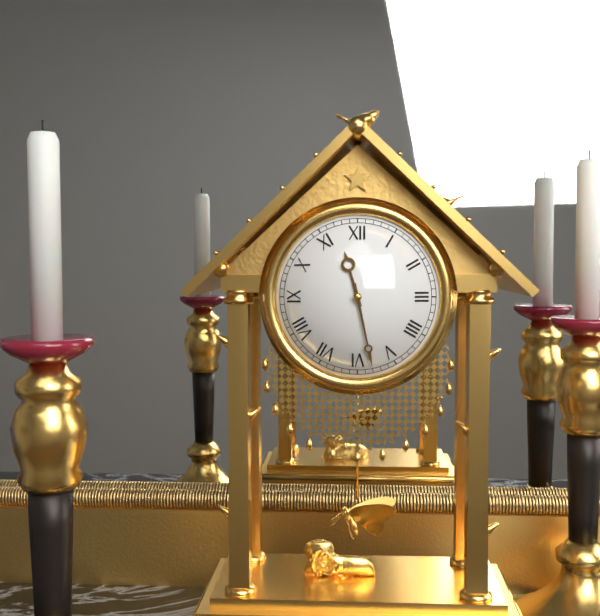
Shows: {"hour": 11, "minute": 28}
